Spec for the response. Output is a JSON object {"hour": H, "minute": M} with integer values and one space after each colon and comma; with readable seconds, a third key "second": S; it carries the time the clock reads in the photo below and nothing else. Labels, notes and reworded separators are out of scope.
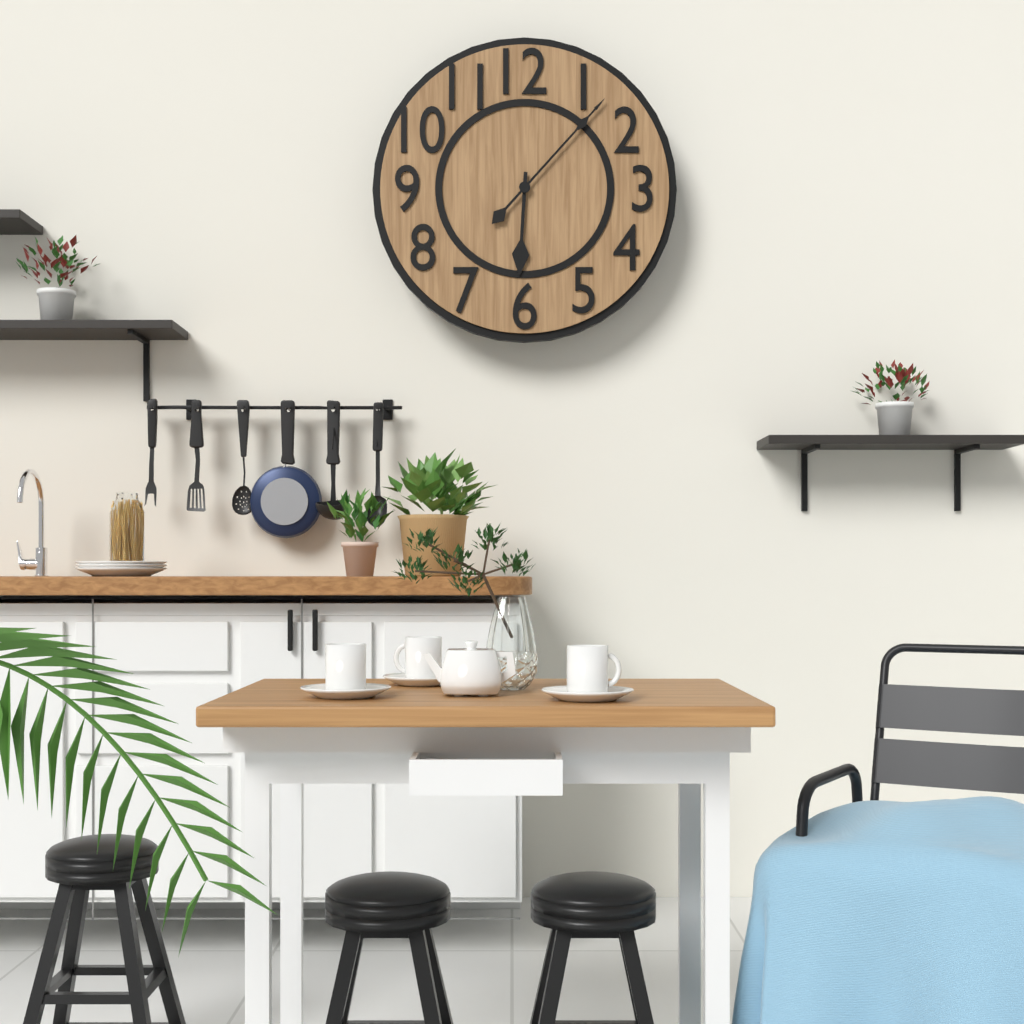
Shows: {"hour": 6, "minute": 7}
